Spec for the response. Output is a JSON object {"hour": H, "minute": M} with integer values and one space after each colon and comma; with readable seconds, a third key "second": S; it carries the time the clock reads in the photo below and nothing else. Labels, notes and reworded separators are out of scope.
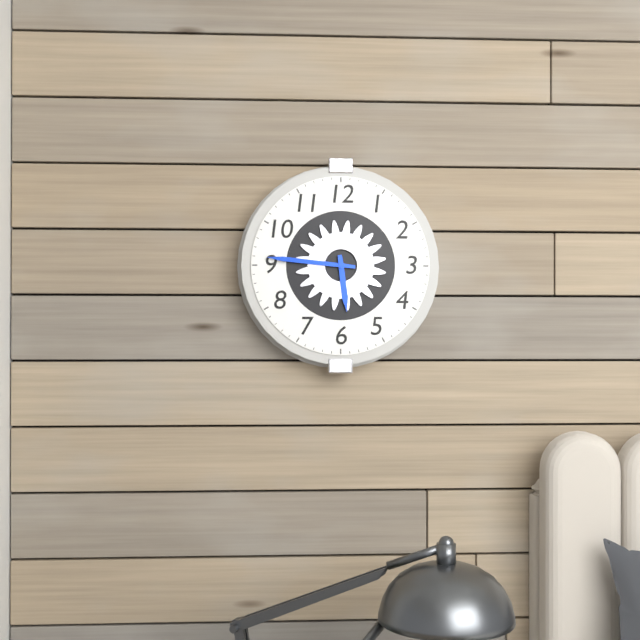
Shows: {"hour": 5, "minute": 46}
